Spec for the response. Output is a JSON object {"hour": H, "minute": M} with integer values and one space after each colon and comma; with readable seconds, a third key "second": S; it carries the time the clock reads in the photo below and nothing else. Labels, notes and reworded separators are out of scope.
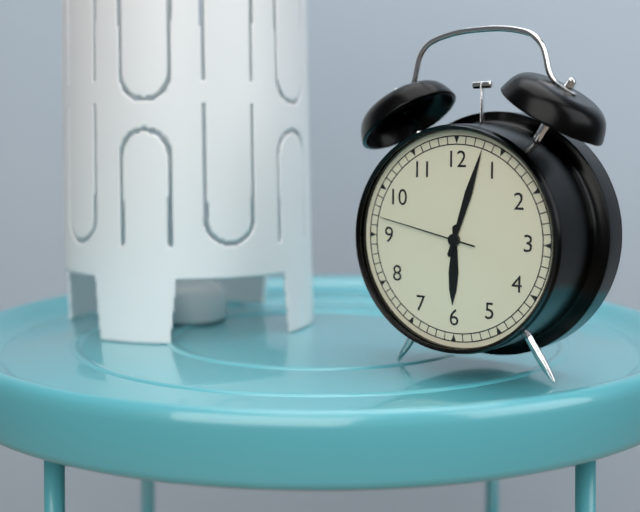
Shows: {"hour": 6, "minute": 3, "second": 47}
